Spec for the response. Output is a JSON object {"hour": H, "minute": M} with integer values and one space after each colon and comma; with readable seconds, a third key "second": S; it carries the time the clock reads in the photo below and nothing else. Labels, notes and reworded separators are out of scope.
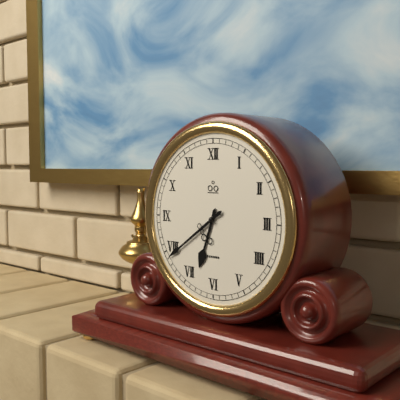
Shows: {"hour": 6, "minute": 39}
